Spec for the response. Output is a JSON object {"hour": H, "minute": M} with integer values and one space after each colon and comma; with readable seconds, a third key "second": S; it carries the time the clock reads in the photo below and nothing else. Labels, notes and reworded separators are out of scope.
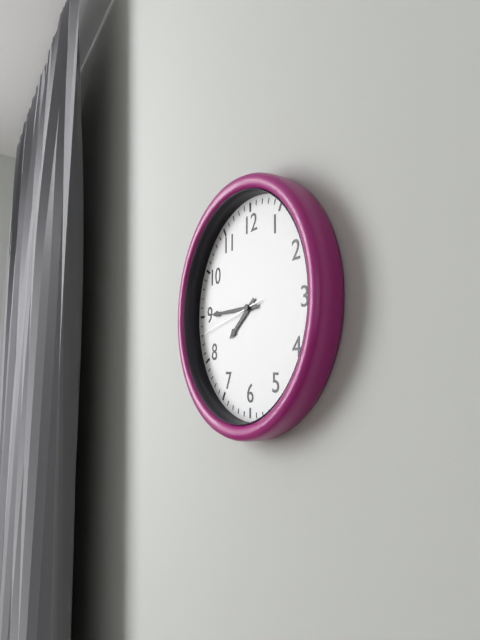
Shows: {"hour": 7, "minute": 45, "second": 43}
